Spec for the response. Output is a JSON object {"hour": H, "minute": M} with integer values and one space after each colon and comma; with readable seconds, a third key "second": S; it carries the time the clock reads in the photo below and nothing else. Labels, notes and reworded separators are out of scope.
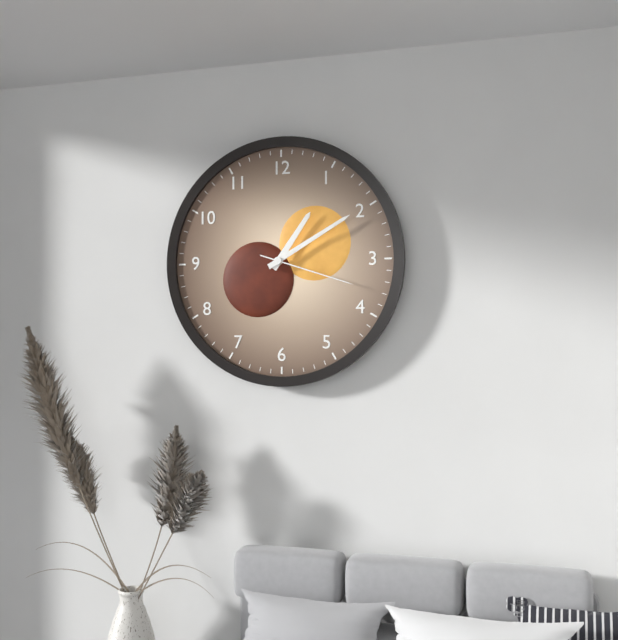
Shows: {"hour": 1, "minute": 10, "second": 18}
